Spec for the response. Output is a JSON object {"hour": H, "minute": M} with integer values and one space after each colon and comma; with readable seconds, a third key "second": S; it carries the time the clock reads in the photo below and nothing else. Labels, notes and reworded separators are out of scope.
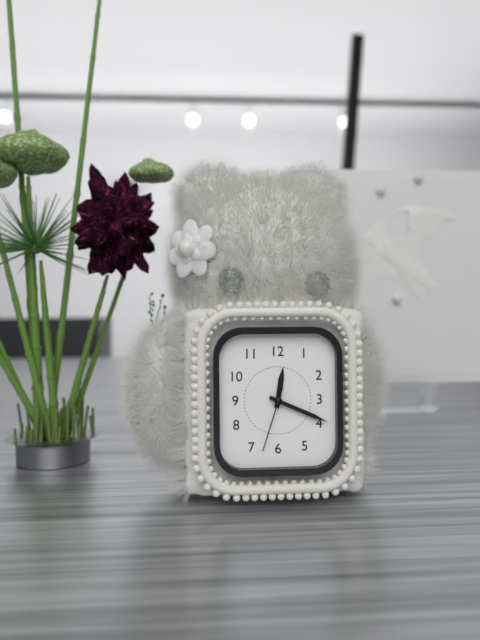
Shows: {"hour": 12, "minute": 19, "second": 33}
